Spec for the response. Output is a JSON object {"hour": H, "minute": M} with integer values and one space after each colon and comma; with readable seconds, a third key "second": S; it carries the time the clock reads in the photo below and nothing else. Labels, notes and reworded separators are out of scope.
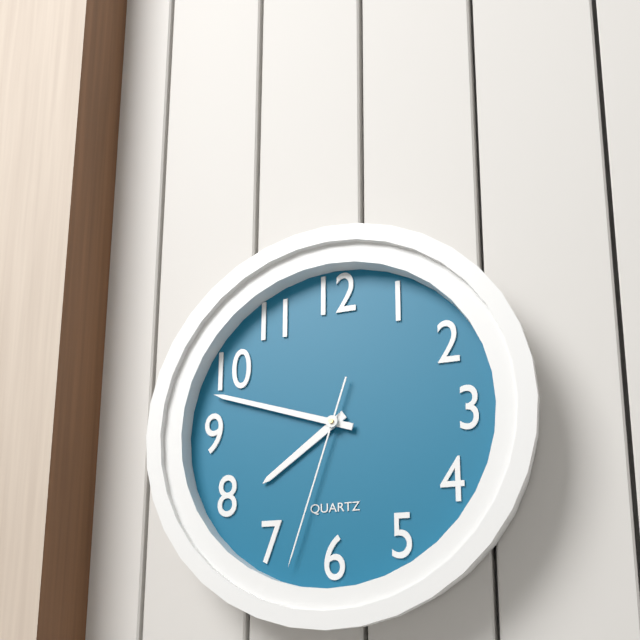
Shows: {"hour": 7, "minute": 48, "second": 33}
